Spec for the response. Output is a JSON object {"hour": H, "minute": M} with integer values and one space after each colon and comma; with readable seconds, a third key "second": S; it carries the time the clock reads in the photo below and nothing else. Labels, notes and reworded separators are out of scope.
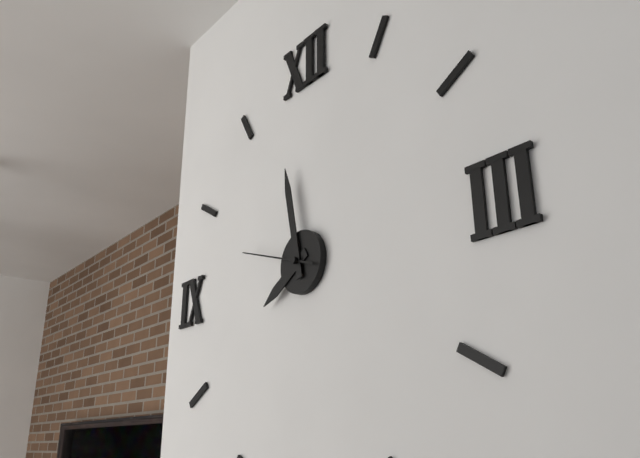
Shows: {"hour": 7, "minute": 58, "second": 48}
